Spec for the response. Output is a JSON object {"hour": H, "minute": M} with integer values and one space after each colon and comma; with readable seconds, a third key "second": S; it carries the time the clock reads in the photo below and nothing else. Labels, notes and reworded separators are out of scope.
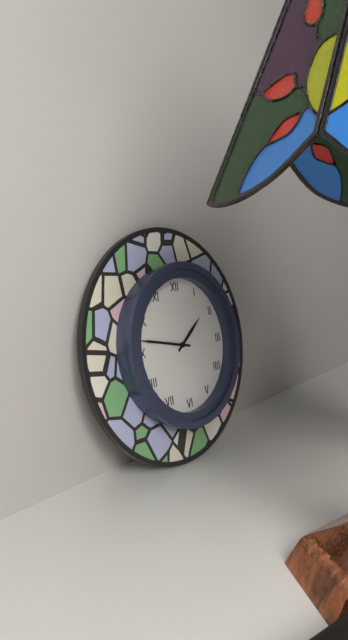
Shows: {"hour": 1, "minute": 47}
